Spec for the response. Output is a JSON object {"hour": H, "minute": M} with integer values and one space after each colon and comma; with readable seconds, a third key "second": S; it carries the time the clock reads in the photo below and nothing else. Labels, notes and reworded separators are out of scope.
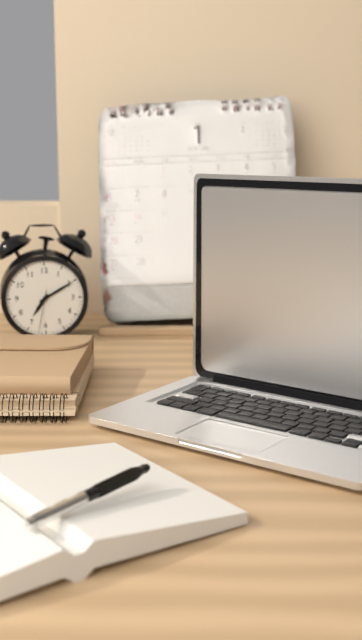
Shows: {"hour": 7, "minute": 10}
